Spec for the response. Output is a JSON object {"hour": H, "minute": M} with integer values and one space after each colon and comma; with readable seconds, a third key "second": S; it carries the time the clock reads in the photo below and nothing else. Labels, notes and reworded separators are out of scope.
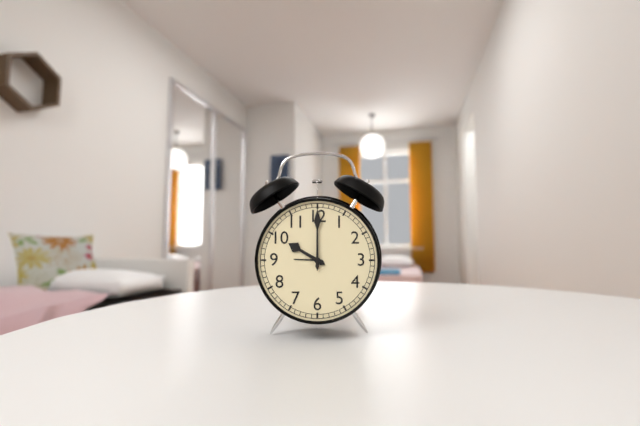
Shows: {"hour": 10, "minute": 0}
